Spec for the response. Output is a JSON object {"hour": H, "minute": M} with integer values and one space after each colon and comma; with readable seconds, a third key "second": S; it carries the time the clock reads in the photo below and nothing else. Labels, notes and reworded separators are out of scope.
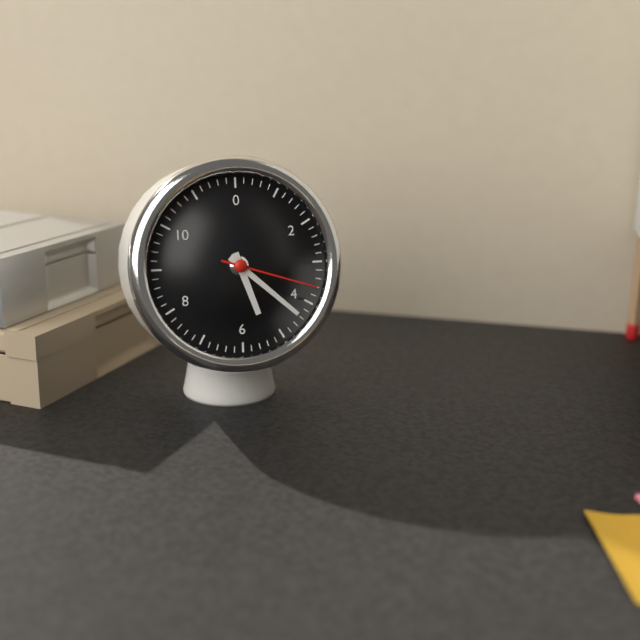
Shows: {"hour": 5, "minute": 22, "second": 18}
